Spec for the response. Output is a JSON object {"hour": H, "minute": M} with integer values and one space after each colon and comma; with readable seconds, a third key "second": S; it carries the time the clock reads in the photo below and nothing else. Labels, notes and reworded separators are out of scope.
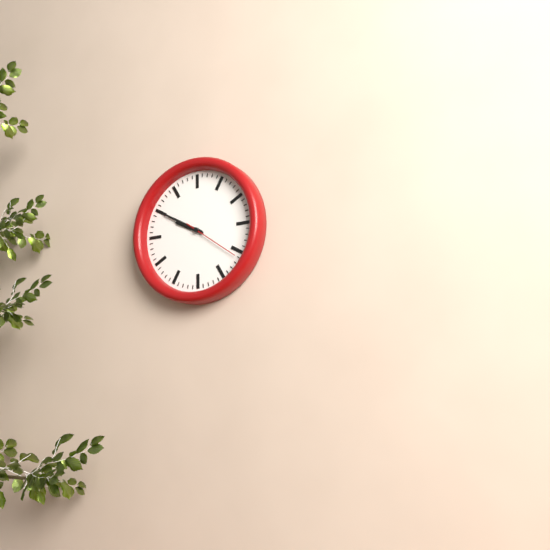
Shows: {"hour": 9, "minute": 50}
